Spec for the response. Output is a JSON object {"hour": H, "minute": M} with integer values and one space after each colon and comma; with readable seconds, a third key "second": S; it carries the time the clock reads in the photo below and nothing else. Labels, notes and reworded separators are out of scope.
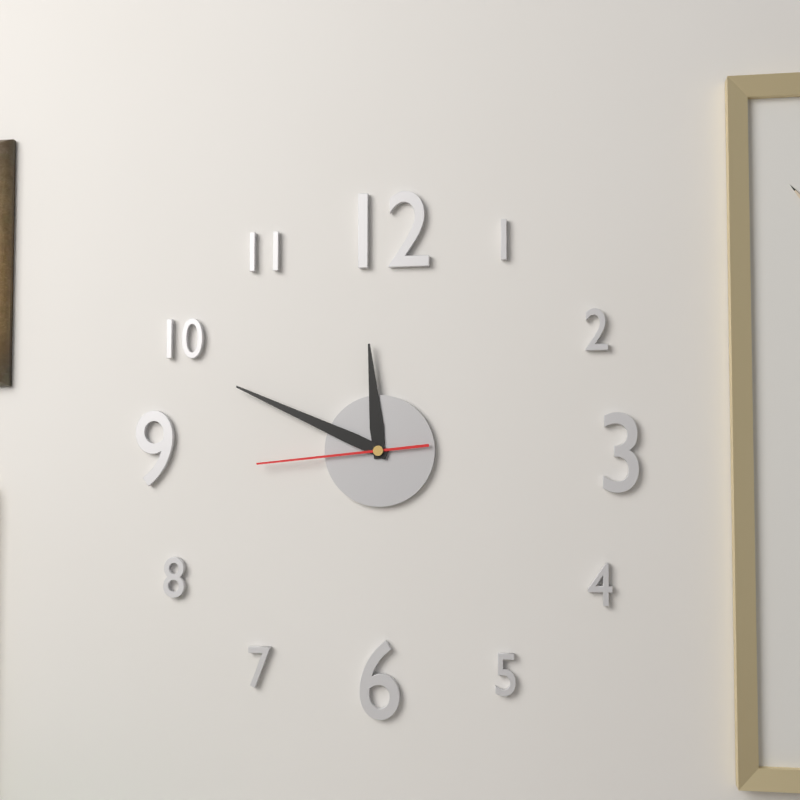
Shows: {"hour": 11, "minute": 49, "second": 44}
